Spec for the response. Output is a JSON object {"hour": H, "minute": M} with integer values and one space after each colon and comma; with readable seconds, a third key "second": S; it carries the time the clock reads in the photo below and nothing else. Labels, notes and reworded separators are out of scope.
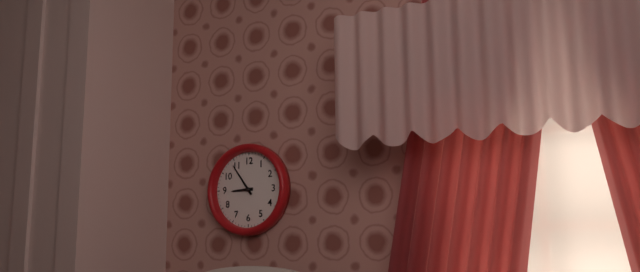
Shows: {"hour": 8, "minute": 54}
